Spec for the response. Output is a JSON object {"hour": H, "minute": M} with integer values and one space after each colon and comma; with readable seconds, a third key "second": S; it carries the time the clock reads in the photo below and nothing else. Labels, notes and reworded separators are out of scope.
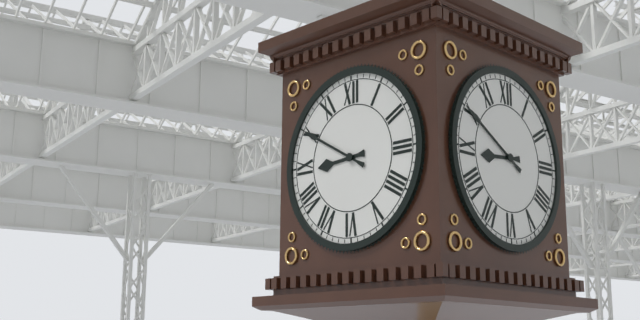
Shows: {"hour": 8, "minute": 50}
